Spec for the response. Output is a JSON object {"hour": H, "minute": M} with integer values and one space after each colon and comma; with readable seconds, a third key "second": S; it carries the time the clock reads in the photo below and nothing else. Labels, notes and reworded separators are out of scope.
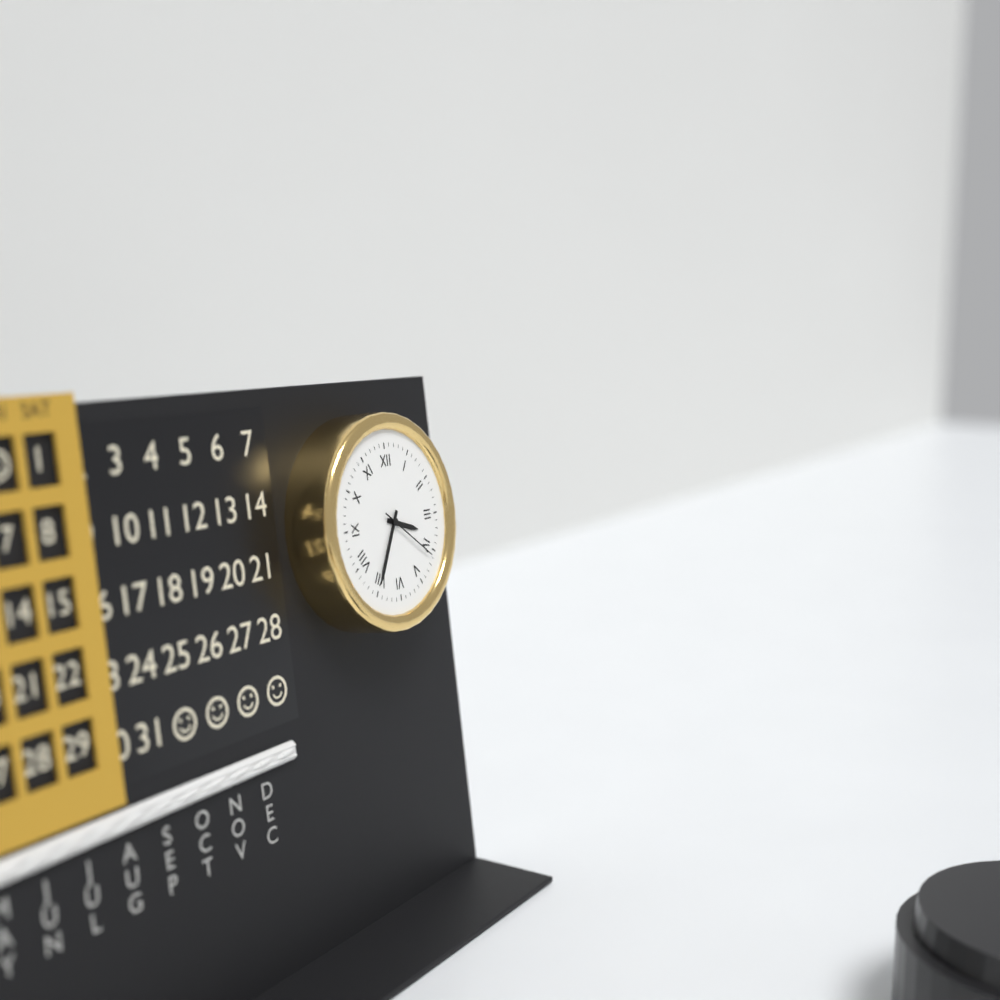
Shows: {"hour": 3, "minute": 35, "second": 21}
